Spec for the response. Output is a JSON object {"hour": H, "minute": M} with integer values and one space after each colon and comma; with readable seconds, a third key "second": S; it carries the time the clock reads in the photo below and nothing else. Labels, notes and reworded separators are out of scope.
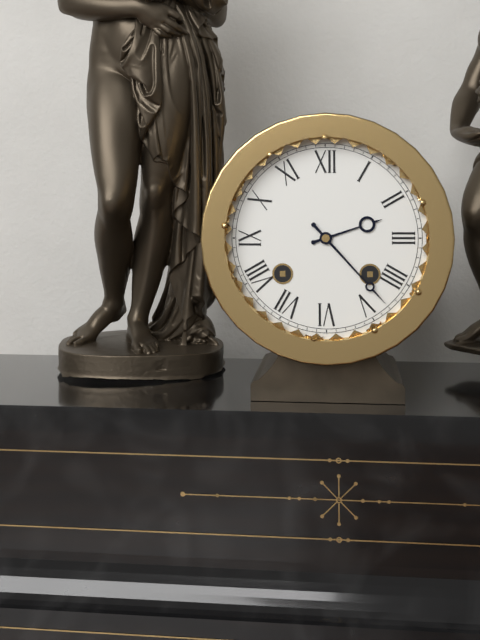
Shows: {"hour": 2, "minute": 23}
